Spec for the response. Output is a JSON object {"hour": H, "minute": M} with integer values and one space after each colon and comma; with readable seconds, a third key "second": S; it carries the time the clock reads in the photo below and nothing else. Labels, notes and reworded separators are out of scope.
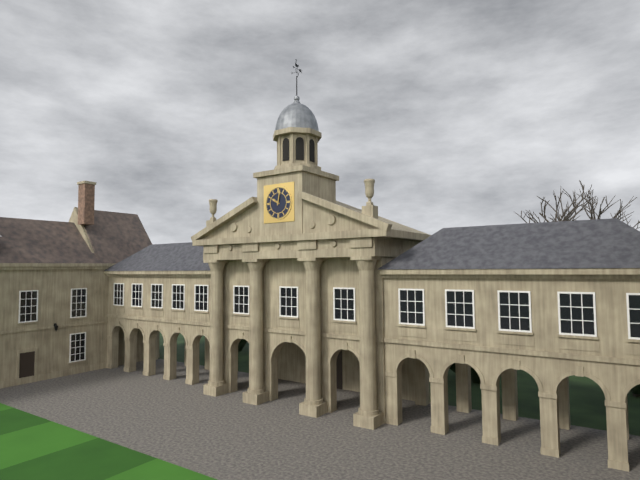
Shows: {"hour": 10, "minute": 2}
